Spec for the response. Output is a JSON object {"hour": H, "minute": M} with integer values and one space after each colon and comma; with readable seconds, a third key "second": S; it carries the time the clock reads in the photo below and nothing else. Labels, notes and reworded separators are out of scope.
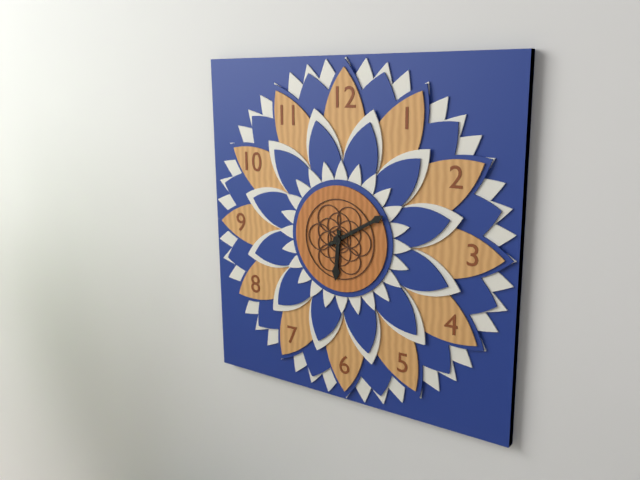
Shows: {"hour": 6, "minute": 10}
